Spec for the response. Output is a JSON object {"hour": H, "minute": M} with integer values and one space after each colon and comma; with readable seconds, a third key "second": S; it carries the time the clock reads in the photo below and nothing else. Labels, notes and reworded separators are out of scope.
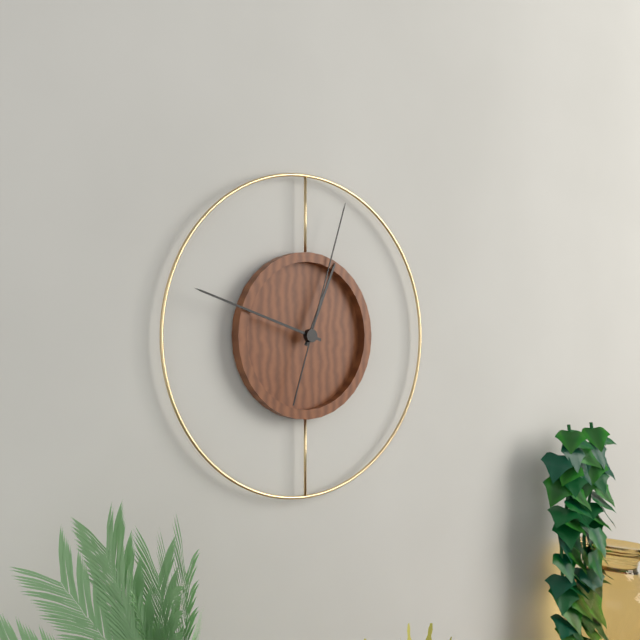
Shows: {"hour": 12, "minute": 48, "second": 3}
